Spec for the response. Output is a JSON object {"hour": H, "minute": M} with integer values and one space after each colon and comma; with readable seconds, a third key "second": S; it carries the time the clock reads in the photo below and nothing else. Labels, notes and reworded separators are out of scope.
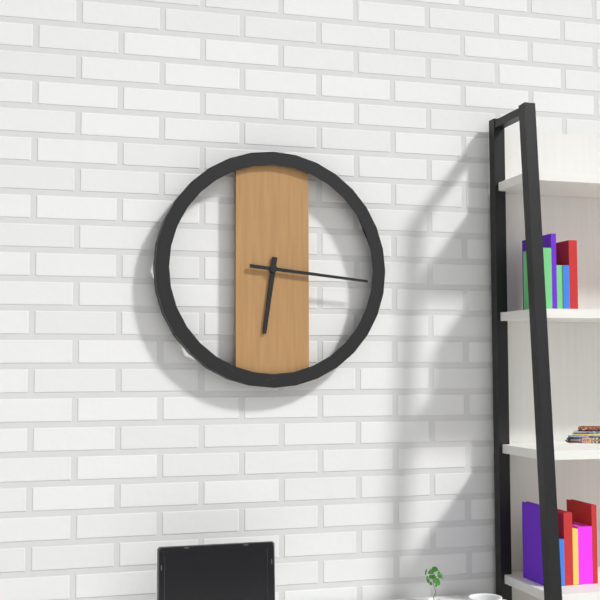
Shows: {"hour": 6, "minute": 16}
